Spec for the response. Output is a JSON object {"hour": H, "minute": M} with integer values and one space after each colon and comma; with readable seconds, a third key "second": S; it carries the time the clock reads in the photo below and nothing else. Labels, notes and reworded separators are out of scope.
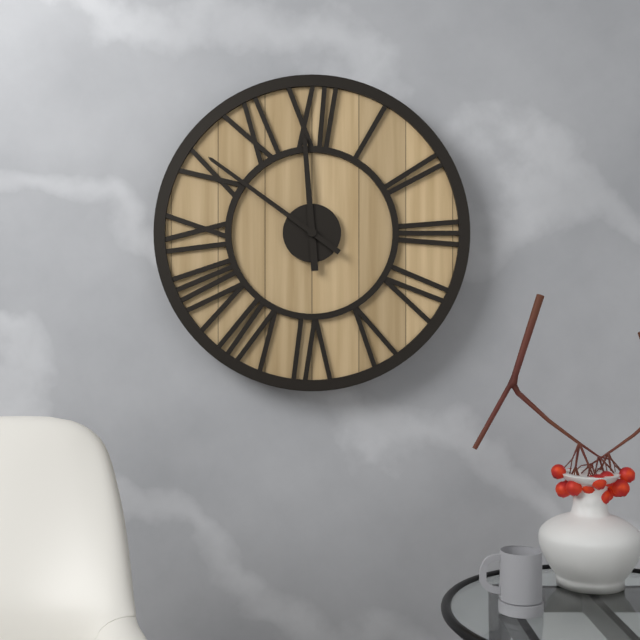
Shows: {"hour": 11, "minute": 51}
